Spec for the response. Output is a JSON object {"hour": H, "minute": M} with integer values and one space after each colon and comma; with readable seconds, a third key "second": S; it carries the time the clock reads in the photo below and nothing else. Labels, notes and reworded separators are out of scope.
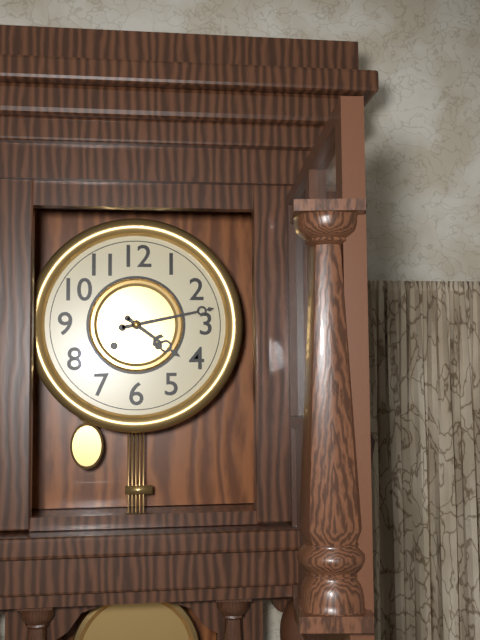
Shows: {"hour": 4, "minute": 13}
